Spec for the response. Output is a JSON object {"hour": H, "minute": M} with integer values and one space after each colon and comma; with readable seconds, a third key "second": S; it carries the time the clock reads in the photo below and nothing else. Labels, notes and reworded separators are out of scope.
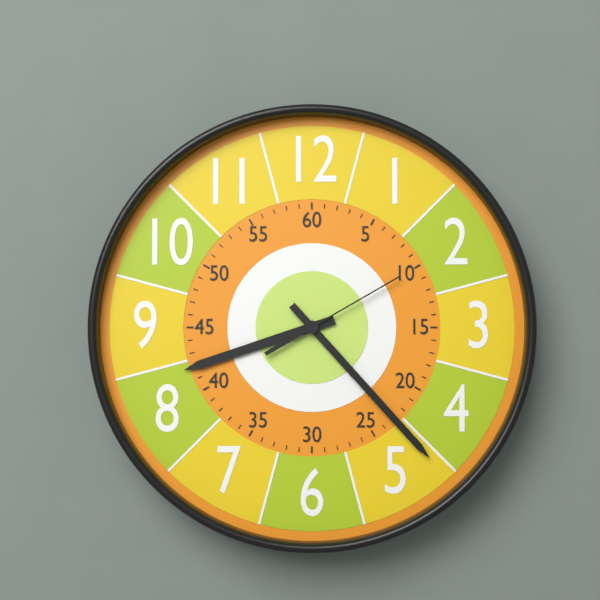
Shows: {"hour": 8, "minute": 23, "second": 10}
